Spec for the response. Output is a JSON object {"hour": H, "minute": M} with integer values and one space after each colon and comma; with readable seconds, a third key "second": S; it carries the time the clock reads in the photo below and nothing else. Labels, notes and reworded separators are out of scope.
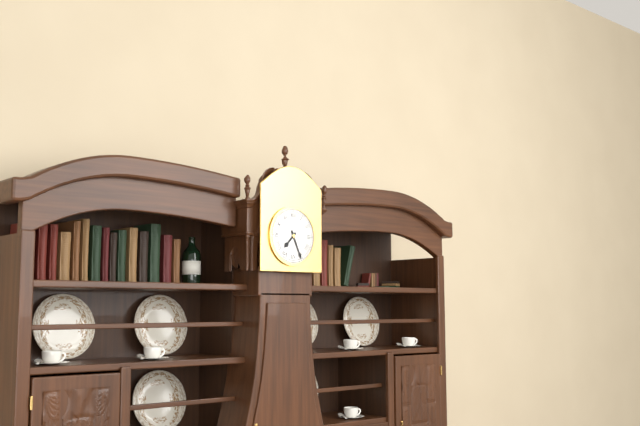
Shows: {"hour": 7, "minute": 26}
